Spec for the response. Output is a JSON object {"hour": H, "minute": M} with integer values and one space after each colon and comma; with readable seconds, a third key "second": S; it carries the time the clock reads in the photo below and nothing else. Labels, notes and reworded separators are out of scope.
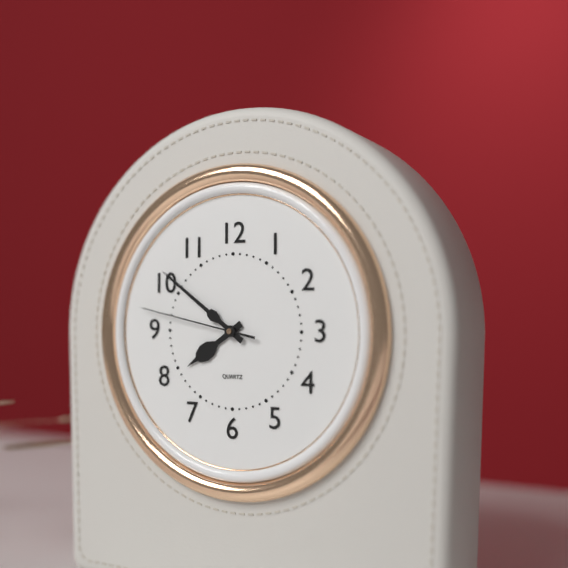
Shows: {"hour": 7, "minute": 51, "second": 47}
